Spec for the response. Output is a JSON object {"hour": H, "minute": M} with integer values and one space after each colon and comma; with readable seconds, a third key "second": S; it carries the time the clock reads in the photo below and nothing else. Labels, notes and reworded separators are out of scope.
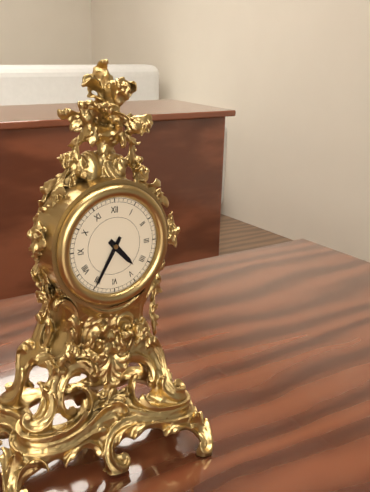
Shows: {"hour": 4, "minute": 35}
